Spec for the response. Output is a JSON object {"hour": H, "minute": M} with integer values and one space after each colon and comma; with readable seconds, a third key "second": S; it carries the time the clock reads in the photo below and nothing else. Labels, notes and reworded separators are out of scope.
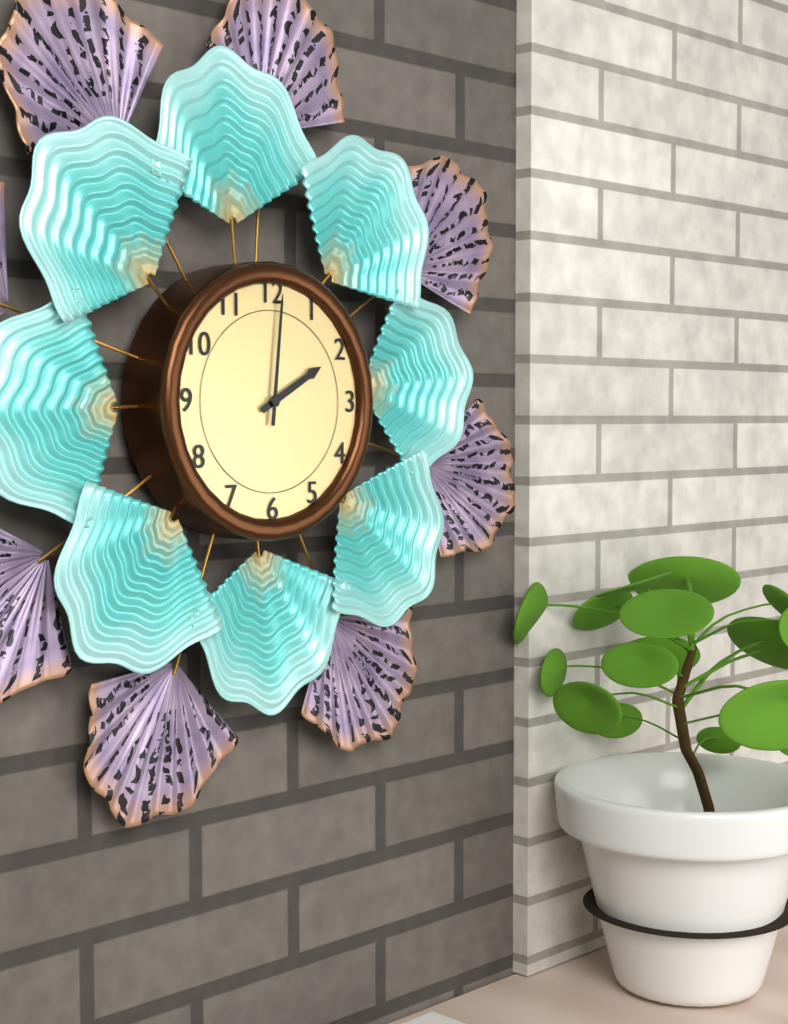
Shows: {"hour": 2, "minute": 1}
